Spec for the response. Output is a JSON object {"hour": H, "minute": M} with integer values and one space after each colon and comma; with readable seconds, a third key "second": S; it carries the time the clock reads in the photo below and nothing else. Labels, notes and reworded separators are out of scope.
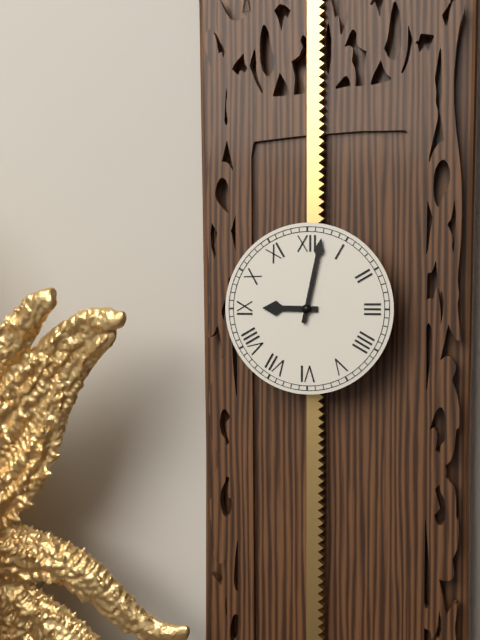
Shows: {"hour": 9, "minute": 2}
